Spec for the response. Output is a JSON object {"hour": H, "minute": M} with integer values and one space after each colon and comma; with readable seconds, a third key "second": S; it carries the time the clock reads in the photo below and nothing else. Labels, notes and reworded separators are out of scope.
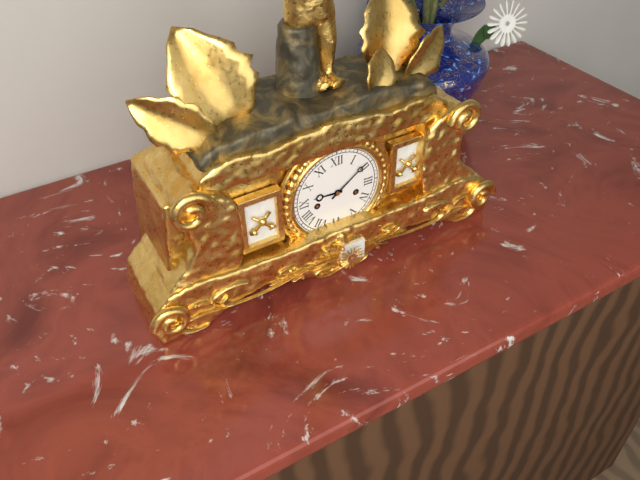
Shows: {"hour": 9, "minute": 9}
